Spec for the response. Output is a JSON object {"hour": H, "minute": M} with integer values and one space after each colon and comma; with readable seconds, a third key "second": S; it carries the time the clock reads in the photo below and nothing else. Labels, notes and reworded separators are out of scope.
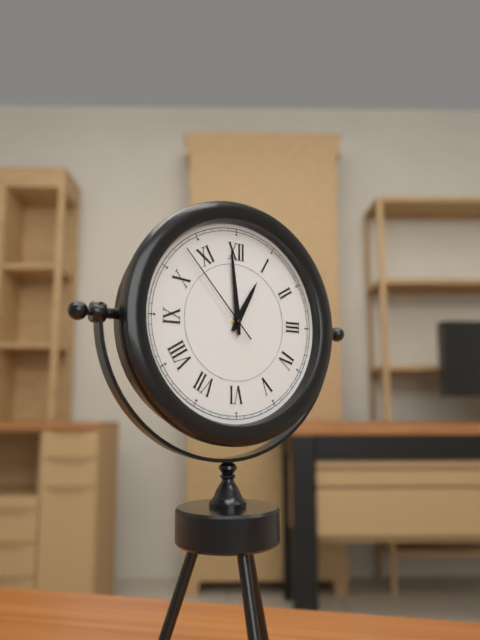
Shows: {"hour": 12, "minute": 59, "second": 53}
